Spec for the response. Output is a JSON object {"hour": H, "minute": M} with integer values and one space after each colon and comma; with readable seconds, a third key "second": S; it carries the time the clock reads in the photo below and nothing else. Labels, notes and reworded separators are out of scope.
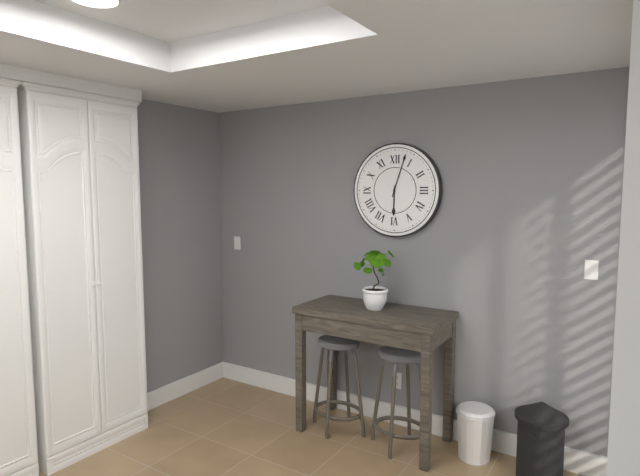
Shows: {"hour": 6, "minute": 3}
